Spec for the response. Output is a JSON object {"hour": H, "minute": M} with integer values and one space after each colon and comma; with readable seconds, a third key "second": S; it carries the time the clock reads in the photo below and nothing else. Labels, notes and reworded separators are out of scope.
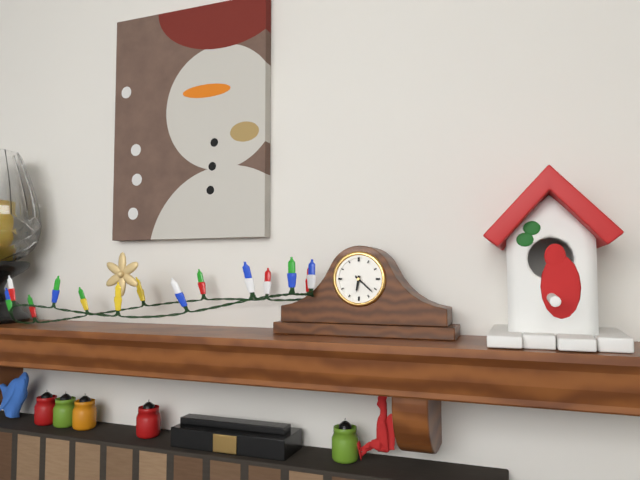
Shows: {"hour": 6, "minute": 22}
